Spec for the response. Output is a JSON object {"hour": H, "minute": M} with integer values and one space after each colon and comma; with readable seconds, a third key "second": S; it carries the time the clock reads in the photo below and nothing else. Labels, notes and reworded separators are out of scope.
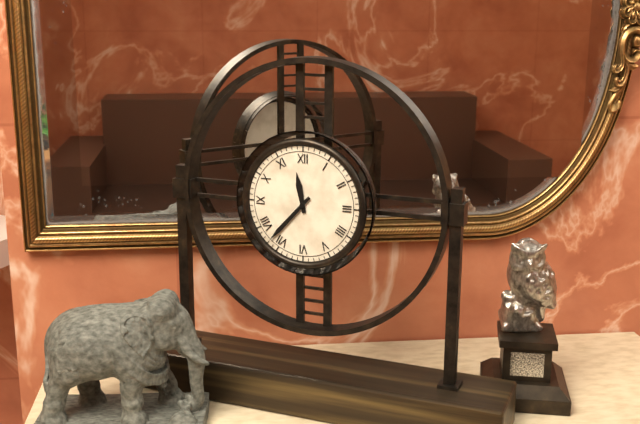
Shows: {"hour": 11, "minute": 37}
